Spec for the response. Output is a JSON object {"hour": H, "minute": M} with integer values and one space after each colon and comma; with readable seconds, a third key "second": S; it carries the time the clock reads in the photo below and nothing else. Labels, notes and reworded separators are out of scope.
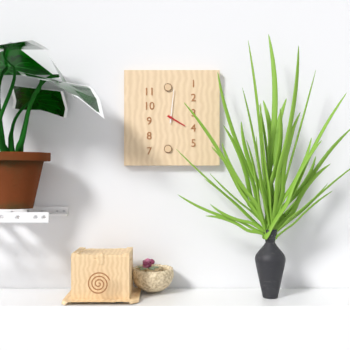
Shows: {"hour": 4, "minute": 1}
